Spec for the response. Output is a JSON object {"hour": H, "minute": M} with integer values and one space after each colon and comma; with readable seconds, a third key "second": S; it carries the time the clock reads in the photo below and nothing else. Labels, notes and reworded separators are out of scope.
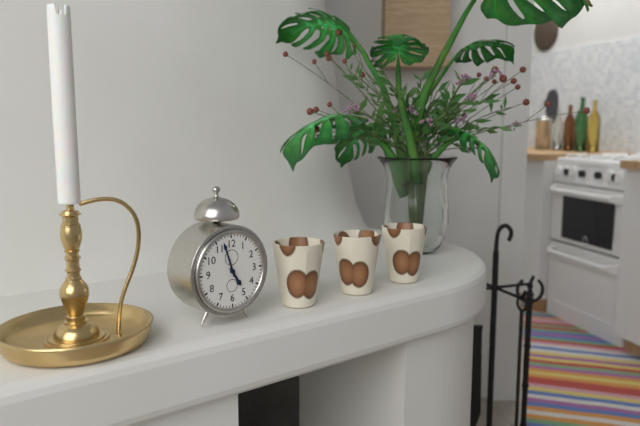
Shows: {"hour": 4, "minute": 57}
